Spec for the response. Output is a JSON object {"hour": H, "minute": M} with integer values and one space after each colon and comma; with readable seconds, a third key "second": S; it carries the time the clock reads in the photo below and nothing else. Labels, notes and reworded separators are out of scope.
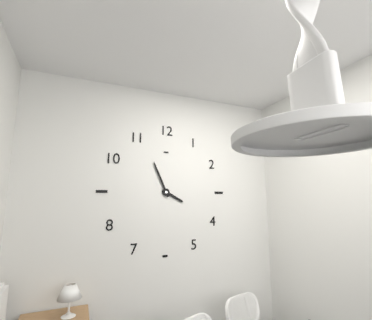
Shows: {"hour": 3, "minute": 56}
